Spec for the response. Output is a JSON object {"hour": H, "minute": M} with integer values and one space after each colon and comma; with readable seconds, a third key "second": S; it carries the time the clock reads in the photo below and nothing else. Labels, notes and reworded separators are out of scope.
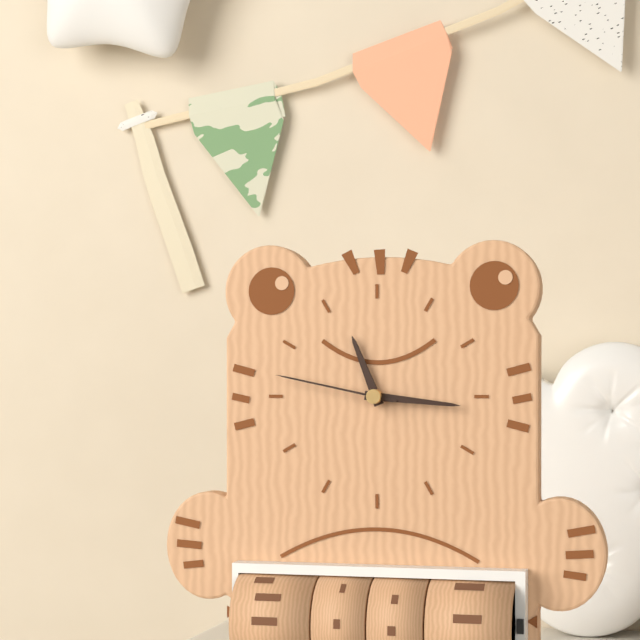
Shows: {"hour": 11, "minute": 16, "second": 47}
